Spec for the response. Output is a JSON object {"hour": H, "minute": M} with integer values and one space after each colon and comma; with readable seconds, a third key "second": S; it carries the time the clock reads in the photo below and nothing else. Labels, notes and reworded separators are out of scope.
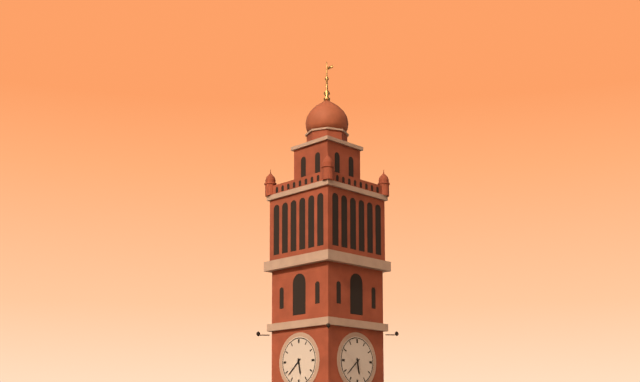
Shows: {"hour": 5, "minute": 38}
